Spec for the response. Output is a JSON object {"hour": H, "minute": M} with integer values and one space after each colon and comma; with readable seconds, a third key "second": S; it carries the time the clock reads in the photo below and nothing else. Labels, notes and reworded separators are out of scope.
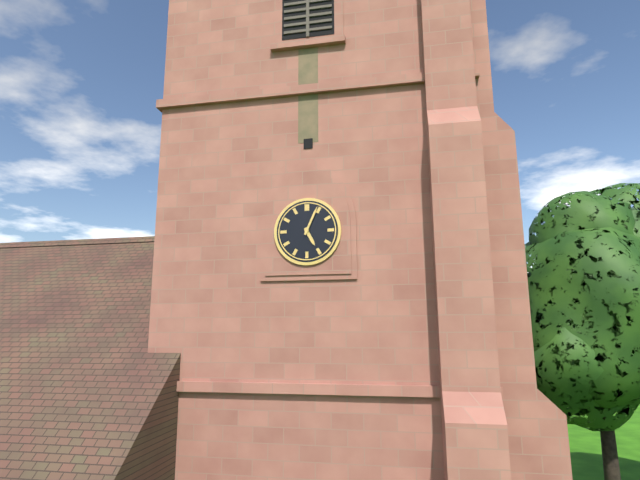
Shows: {"hour": 5, "minute": 4}
